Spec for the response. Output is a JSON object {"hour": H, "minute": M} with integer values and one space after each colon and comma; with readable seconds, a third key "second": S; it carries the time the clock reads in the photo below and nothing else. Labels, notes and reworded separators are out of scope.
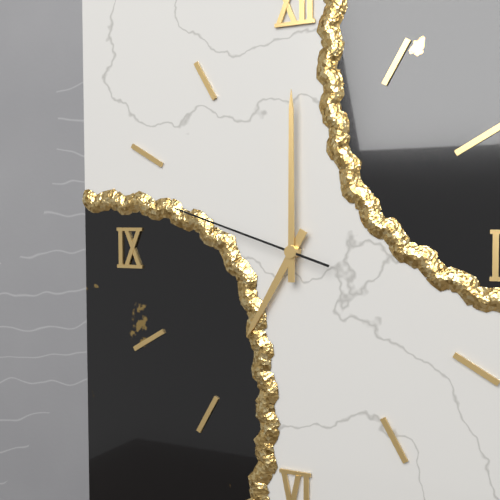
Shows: {"hour": 7, "minute": 0, "second": 48}
